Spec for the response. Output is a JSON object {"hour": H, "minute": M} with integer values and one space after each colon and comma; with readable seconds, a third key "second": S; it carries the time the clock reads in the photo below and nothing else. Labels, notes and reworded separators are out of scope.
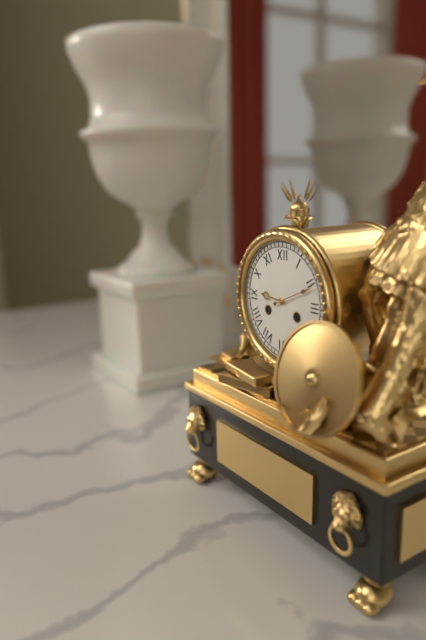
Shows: {"hour": 9, "minute": 11}
